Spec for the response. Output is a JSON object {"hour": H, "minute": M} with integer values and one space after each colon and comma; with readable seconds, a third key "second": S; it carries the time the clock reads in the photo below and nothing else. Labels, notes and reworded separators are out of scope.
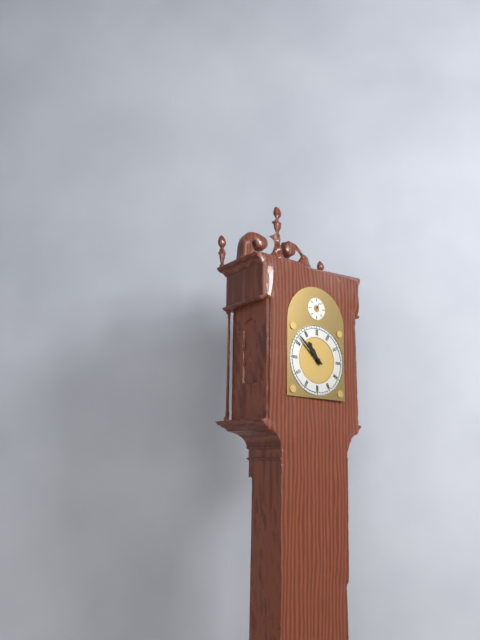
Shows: {"hour": 10, "minute": 52}
